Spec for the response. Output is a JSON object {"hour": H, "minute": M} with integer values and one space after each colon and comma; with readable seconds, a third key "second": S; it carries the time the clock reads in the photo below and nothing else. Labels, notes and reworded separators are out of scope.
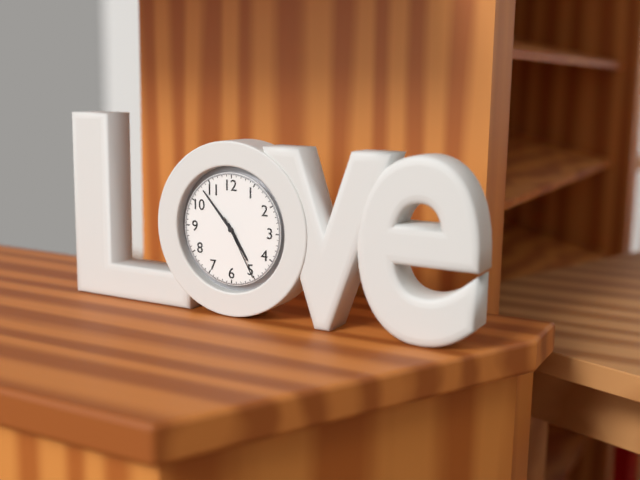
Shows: {"hour": 4, "minute": 53, "second": 25}
